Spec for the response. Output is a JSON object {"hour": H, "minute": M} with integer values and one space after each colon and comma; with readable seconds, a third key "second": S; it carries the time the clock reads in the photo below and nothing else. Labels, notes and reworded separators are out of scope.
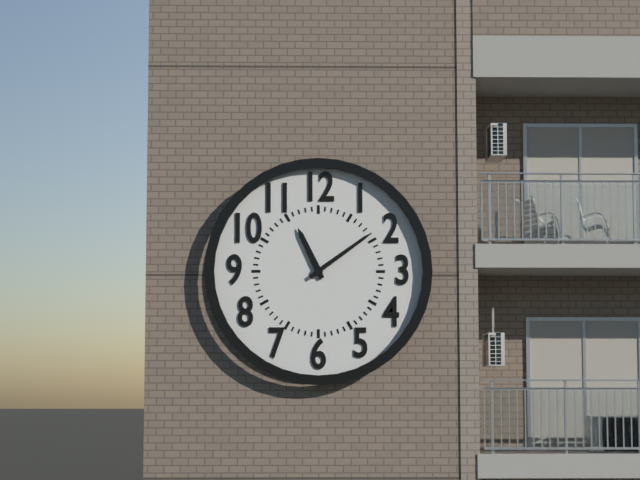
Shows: {"hour": 11, "minute": 9}
